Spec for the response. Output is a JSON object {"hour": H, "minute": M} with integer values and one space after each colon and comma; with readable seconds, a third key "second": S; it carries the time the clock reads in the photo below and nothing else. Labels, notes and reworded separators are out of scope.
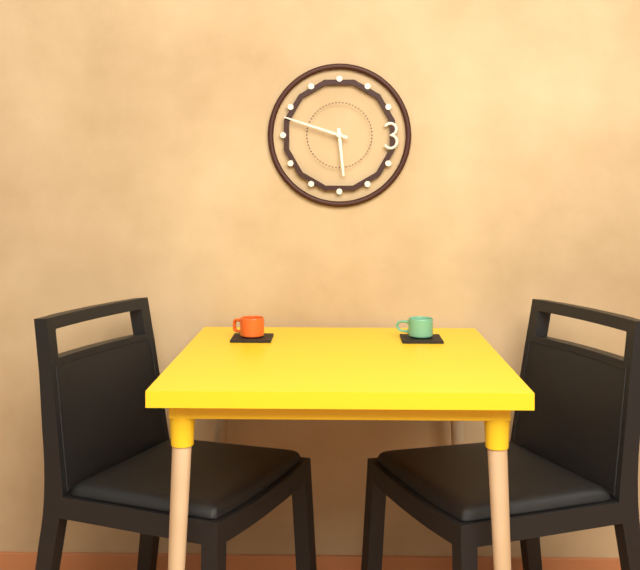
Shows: {"hour": 5, "minute": 48}
